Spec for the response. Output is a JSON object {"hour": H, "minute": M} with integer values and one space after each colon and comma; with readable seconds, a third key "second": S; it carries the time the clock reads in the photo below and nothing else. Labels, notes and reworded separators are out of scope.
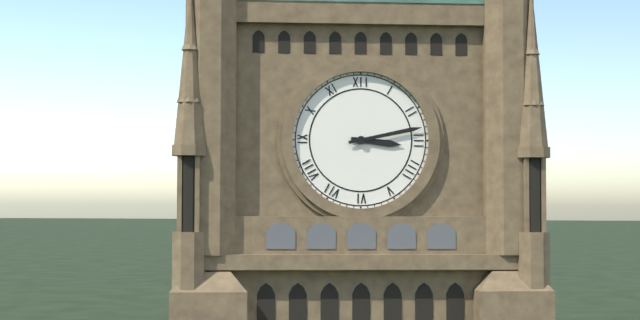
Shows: {"hour": 3, "minute": 13}
